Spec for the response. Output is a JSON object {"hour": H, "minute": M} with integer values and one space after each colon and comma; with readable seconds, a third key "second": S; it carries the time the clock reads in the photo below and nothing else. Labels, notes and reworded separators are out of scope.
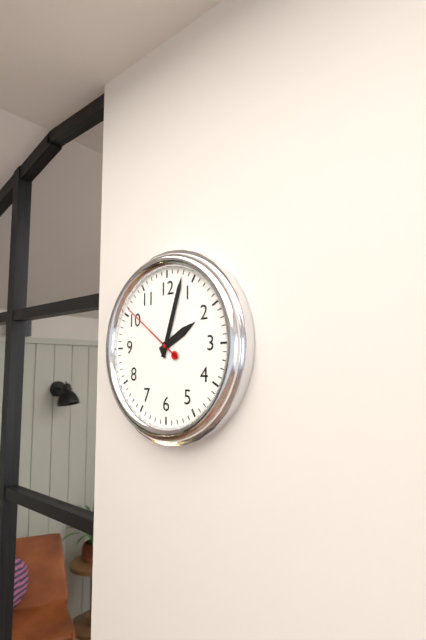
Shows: {"hour": 2, "minute": 3, "second": 51}
